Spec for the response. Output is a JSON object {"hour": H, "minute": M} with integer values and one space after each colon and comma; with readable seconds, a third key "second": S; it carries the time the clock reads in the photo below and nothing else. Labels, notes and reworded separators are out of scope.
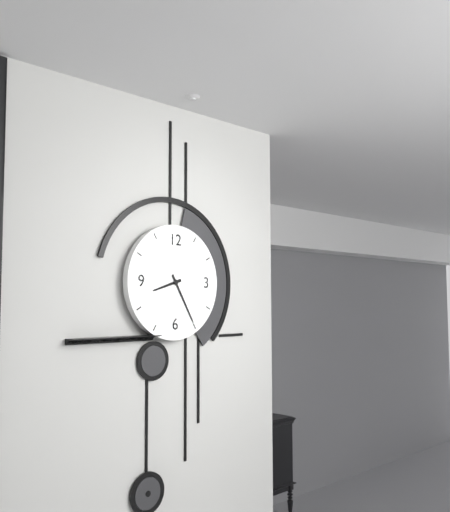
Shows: {"hour": 8, "minute": 25}
